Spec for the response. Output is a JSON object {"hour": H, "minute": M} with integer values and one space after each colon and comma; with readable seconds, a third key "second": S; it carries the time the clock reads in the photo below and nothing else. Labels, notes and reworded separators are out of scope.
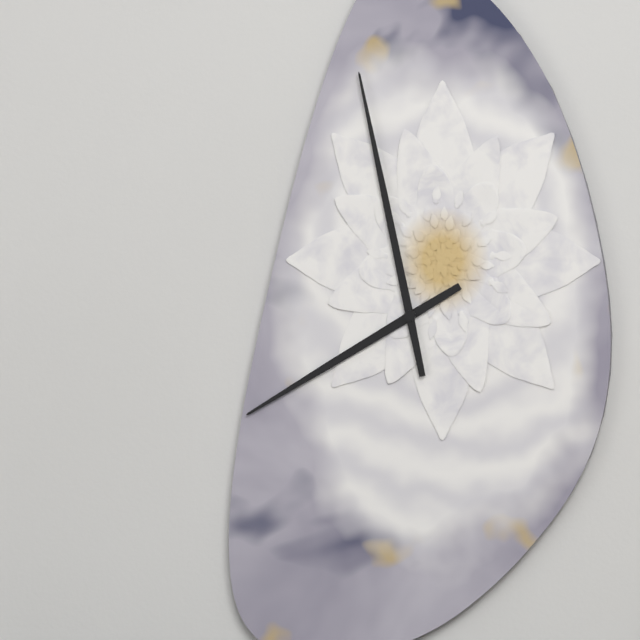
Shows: {"hour": 7, "minute": 58}
